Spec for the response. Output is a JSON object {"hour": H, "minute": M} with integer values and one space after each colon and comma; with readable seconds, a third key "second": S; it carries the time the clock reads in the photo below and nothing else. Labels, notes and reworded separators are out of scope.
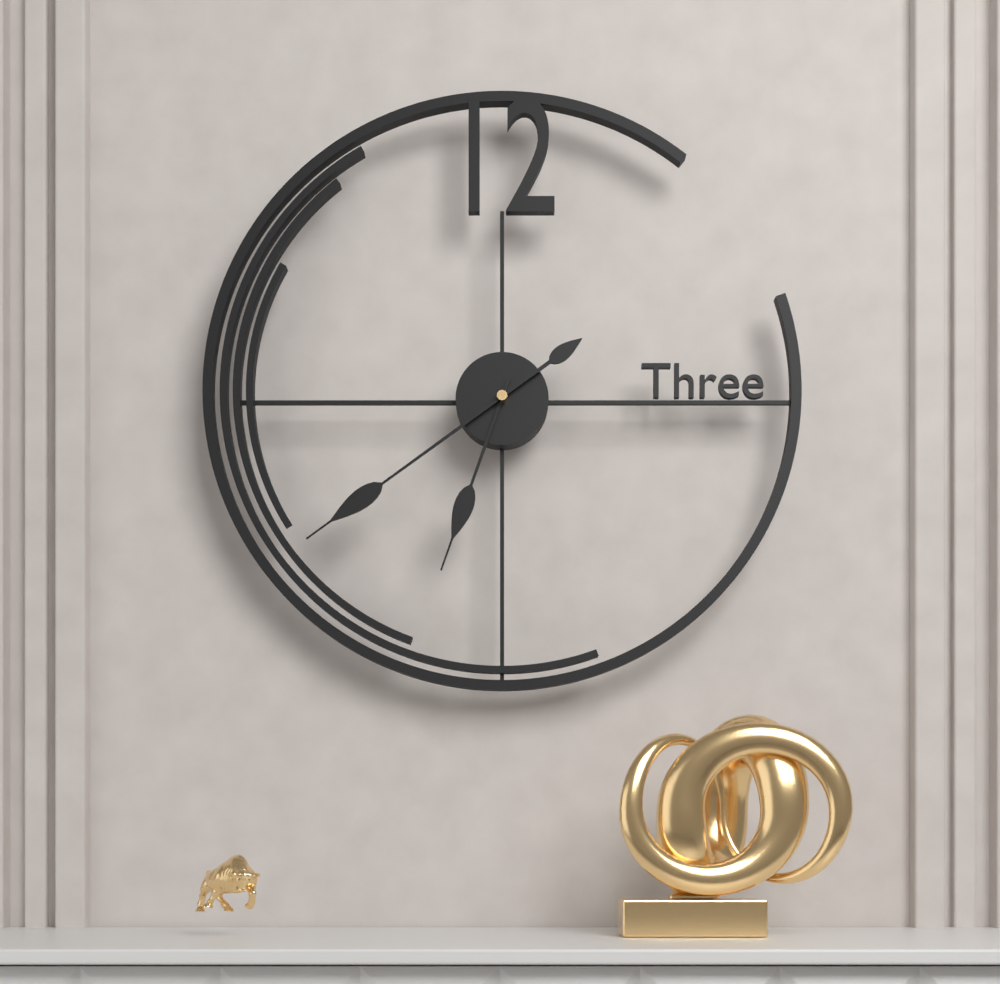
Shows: {"hour": 6, "minute": 39}
